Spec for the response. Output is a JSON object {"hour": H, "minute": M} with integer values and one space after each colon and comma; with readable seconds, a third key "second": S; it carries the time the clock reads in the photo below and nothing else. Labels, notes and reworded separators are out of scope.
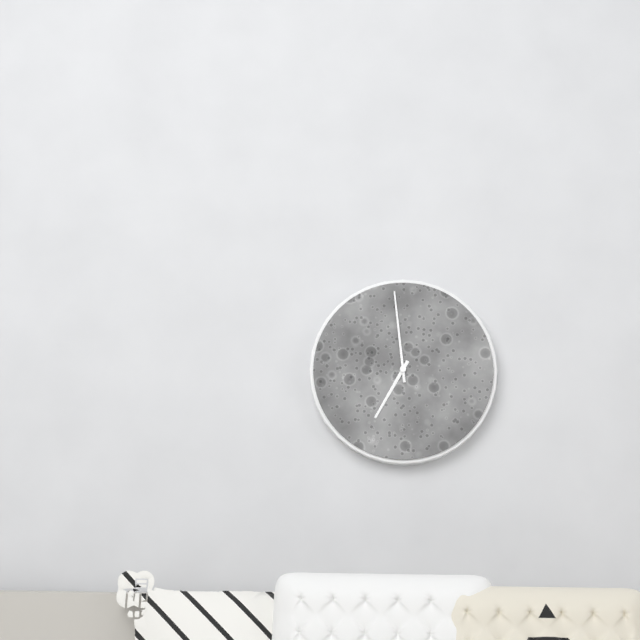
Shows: {"hour": 6, "minute": 59}
